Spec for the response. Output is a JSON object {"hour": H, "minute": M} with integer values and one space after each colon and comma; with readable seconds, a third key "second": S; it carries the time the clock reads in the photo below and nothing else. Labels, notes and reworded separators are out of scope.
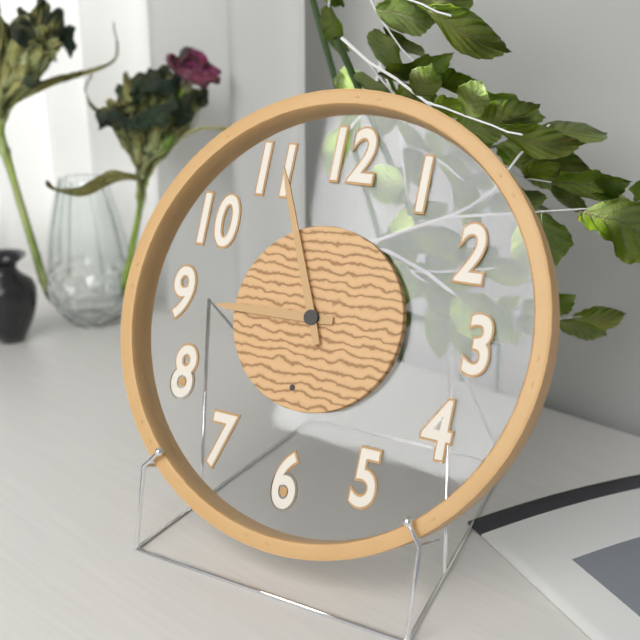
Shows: {"hour": 8, "minute": 56}
